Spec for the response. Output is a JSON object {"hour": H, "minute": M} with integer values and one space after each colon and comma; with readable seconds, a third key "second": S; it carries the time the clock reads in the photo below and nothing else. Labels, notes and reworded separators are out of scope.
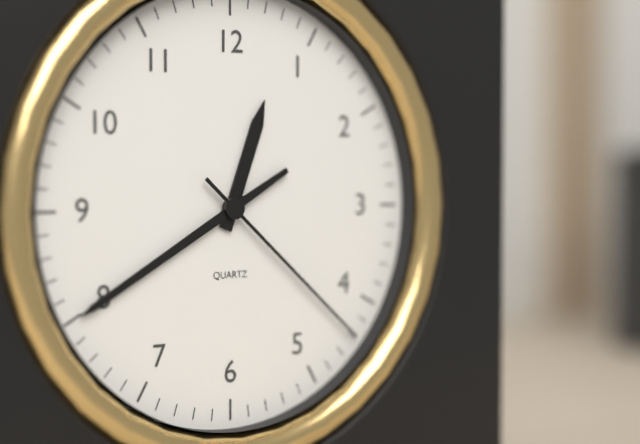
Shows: {"hour": 12, "minute": 40, "second": 22}
